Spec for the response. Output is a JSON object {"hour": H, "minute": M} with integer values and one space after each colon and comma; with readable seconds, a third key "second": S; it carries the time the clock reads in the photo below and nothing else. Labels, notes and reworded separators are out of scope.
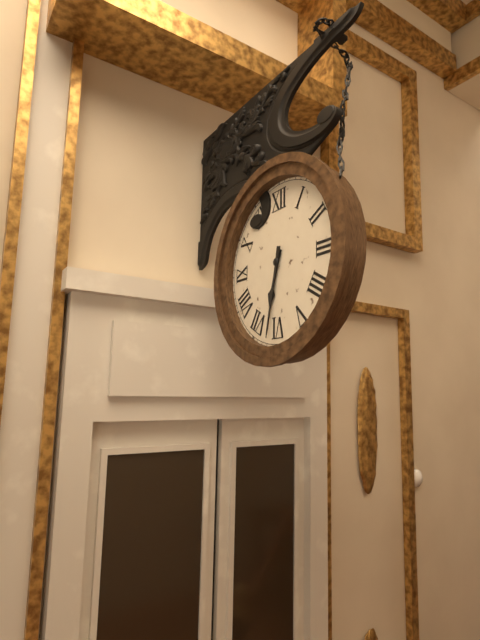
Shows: {"hour": 6, "minute": 32}
